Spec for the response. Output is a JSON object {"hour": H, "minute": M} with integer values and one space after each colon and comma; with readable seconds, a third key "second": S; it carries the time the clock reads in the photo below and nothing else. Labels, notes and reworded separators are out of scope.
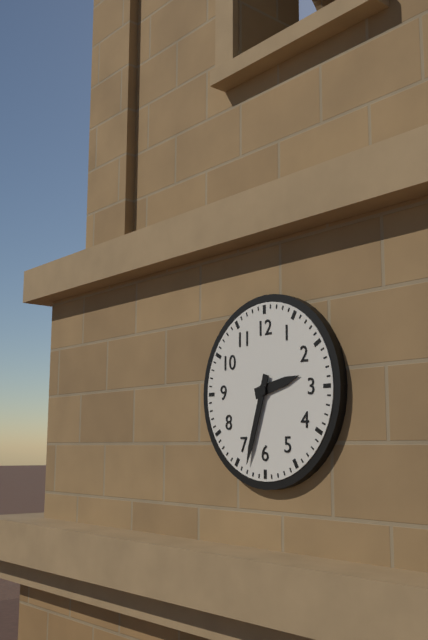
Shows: {"hour": 2, "minute": 33}
